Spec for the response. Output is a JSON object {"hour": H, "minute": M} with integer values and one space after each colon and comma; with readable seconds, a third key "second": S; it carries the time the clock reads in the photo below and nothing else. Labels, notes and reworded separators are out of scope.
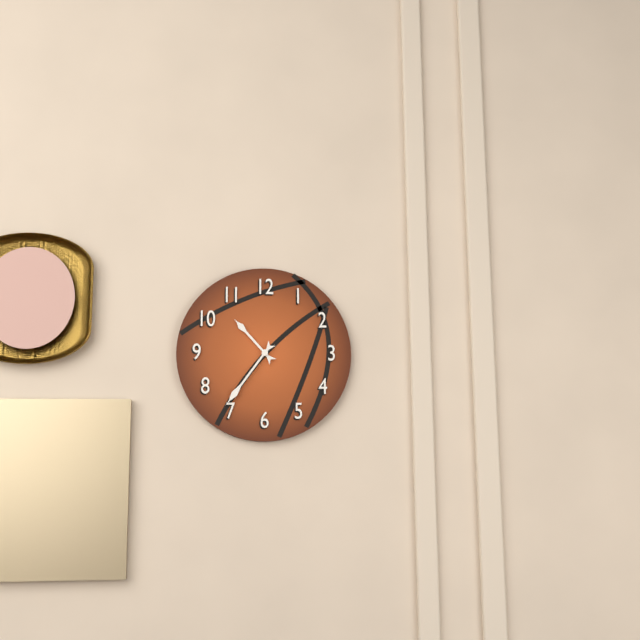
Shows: {"hour": 10, "minute": 36}
